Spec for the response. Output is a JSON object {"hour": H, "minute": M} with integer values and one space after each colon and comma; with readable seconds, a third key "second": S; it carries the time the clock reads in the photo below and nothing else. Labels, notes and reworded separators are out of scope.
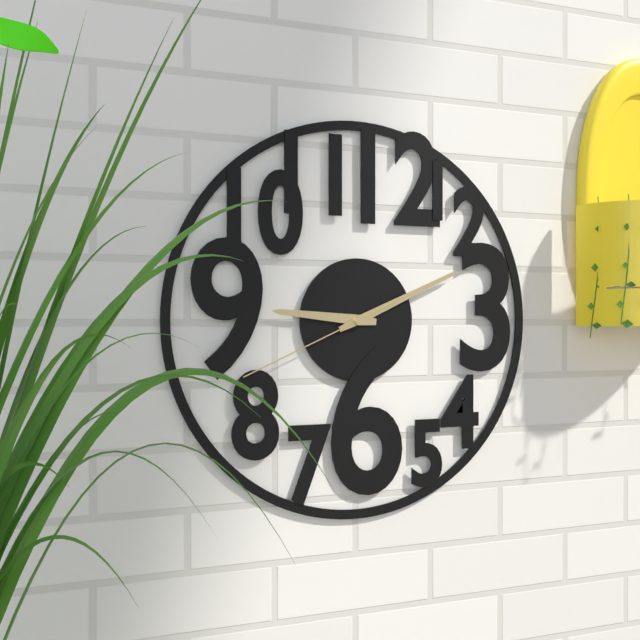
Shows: {"hour": 9, "minute": 11, "second": 41}
